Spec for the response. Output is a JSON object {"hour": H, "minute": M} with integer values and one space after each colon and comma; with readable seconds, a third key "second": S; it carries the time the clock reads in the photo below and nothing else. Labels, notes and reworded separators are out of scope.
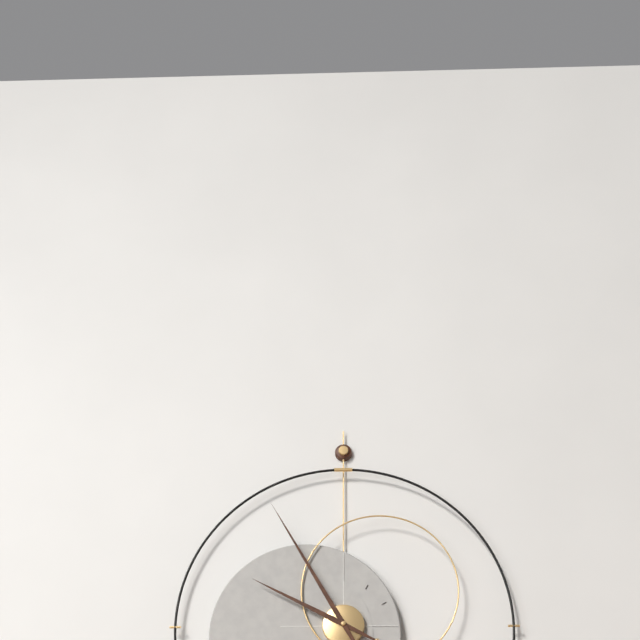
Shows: {"hour": 9, "minute": 55}
